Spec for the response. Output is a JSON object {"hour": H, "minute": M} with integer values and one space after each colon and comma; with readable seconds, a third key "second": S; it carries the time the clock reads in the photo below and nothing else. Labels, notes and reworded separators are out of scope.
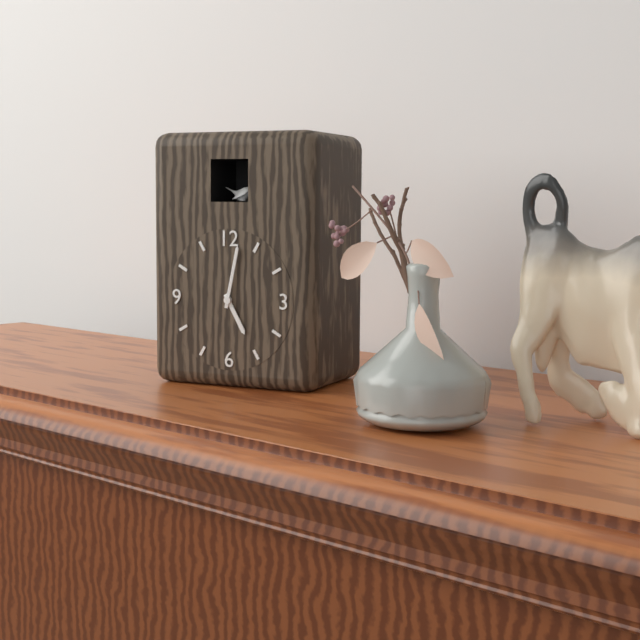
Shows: {"hour": 5, "minute": 2}
